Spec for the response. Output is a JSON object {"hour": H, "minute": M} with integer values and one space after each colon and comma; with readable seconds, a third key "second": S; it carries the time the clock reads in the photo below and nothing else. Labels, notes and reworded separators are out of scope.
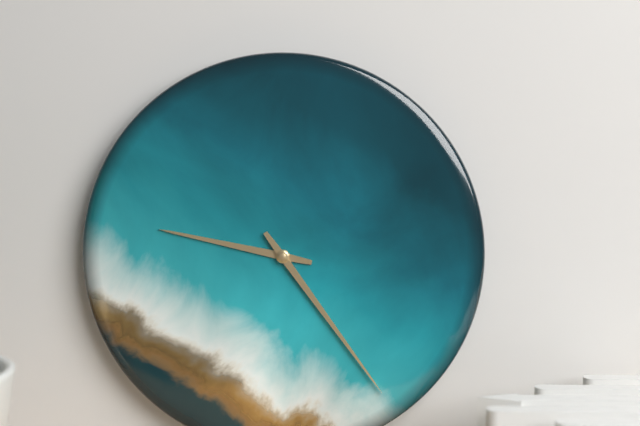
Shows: {"hour": 9, "minute": 24}
